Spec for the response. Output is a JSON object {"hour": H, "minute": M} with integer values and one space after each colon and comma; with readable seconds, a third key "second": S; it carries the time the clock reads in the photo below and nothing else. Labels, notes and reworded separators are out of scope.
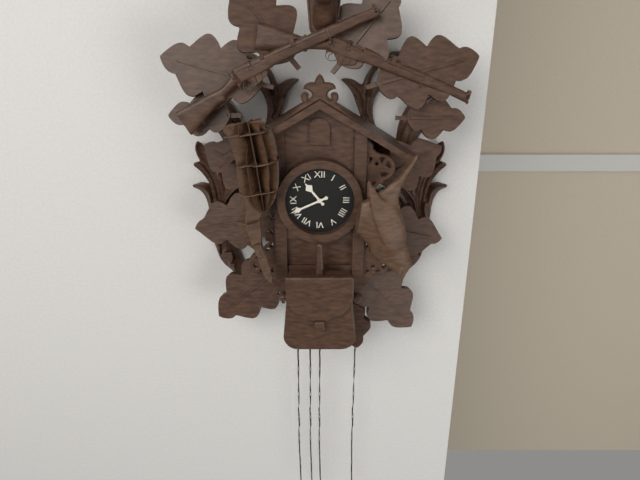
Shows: {"hour": 10, "minute": 41}
